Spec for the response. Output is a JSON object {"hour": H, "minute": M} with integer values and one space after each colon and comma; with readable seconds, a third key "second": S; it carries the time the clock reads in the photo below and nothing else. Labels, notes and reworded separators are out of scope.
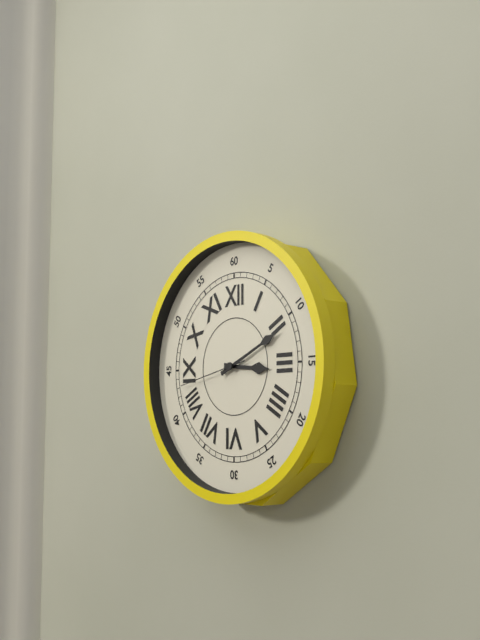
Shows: {"hour": 3, "minute": 11, "second": 43}
